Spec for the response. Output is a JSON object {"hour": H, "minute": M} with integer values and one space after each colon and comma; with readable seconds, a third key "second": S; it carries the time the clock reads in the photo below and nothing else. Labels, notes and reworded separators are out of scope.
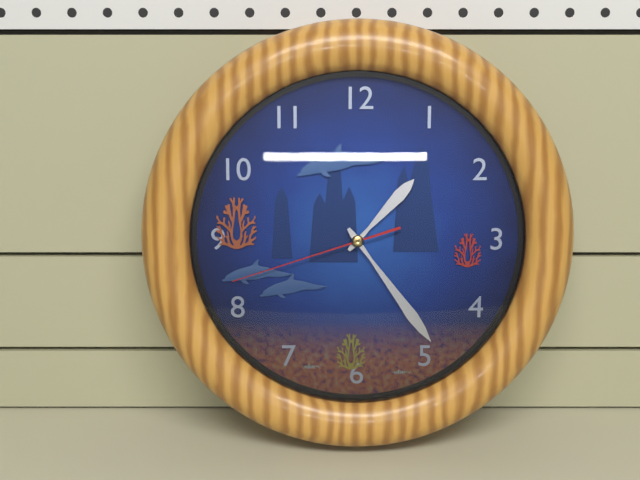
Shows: {"hour": 1, "minute": 24, "second": 42}
